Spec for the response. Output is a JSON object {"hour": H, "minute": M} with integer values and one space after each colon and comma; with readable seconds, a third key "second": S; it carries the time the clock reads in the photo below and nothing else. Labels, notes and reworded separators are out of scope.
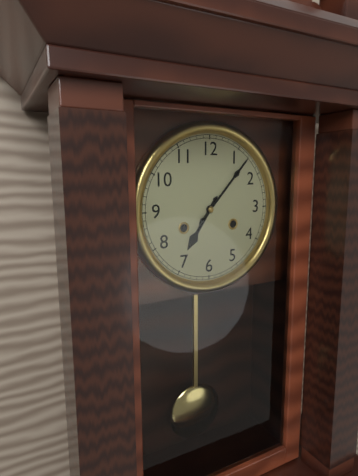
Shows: {"hour": 7, "minute": 7}
